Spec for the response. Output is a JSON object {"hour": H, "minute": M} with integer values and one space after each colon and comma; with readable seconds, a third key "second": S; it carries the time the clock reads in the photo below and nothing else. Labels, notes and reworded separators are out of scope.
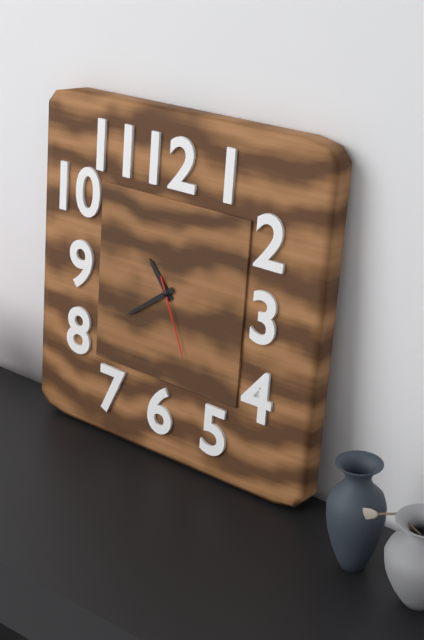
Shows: {"hour": 10, "minute": 39, "second": 26}
